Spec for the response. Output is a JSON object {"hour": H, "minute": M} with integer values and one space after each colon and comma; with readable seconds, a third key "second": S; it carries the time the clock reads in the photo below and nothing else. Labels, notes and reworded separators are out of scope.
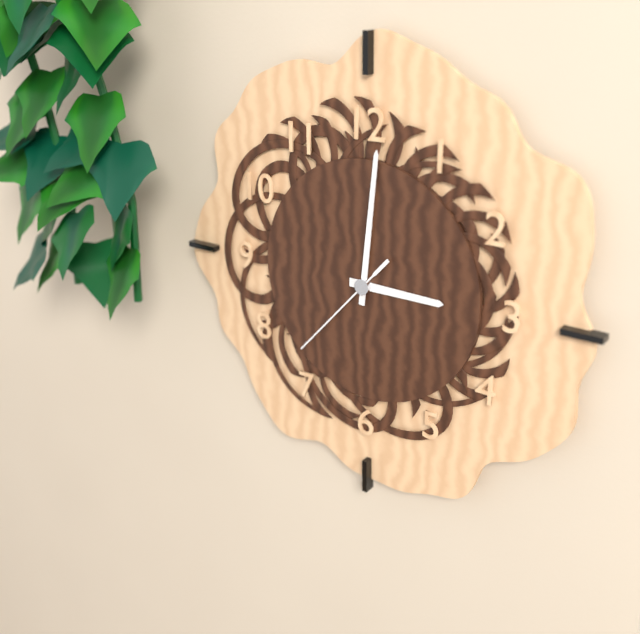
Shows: {"hour": 3, "minute": 1, "second": 37}
